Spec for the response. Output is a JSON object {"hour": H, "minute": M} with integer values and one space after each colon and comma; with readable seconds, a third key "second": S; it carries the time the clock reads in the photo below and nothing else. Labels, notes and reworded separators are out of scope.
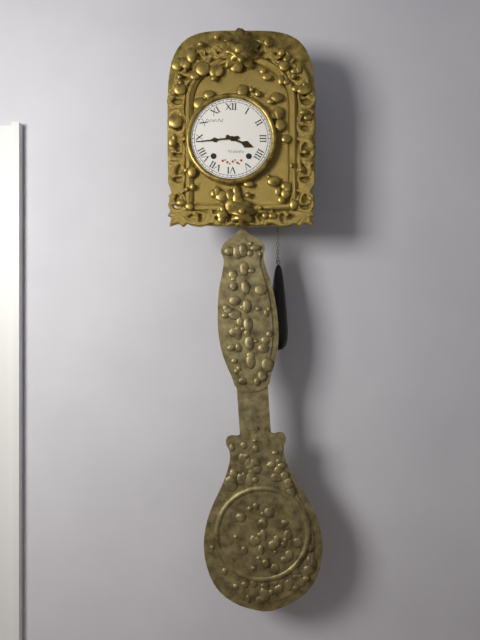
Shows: {"hour": 3, "minute": 44}
